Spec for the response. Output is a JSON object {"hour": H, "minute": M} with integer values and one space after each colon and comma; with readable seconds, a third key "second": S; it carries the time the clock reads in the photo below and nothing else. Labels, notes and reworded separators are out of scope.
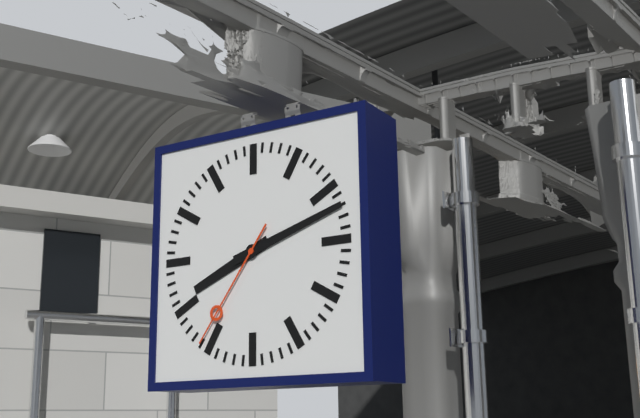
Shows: {"hour": 8, "minute": 12, "second": 36}
